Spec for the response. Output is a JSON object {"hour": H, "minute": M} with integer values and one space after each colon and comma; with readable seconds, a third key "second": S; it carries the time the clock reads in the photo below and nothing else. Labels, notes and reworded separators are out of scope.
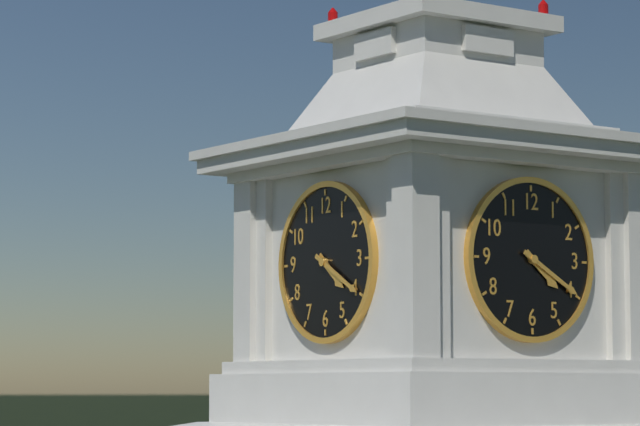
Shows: {"hour": 4, "minute": 20}
